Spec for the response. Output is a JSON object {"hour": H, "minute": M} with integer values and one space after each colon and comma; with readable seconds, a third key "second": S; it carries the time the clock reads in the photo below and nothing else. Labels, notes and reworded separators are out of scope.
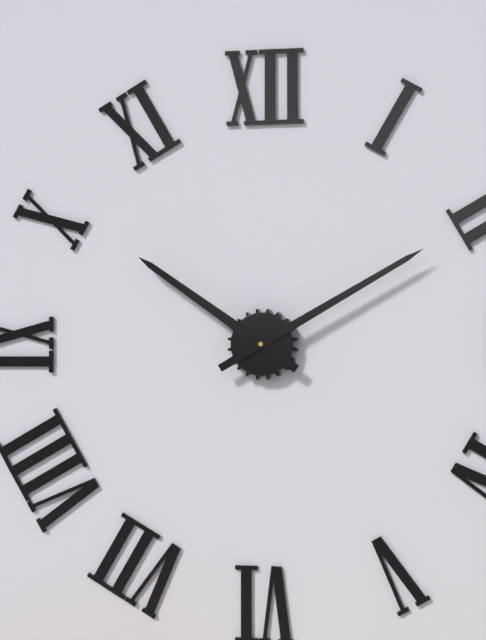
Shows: {"hour": 10, "minute": 10}
